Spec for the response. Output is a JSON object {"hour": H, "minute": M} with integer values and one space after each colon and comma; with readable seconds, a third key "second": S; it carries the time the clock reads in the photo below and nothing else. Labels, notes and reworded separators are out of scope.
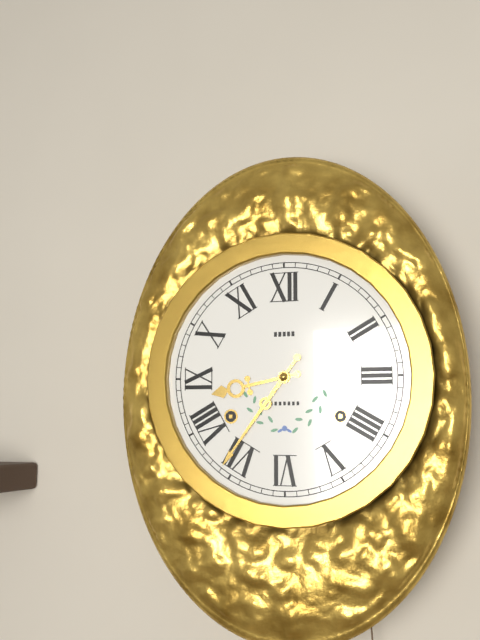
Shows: {"hour": 8, "minute": 36}
